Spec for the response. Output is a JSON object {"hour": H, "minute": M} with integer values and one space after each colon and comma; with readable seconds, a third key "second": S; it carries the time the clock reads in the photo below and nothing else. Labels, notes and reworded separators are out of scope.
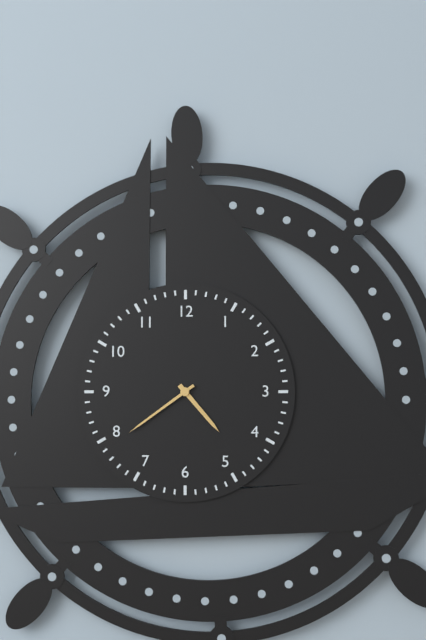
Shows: {"hour": 4, "minute": 39}
